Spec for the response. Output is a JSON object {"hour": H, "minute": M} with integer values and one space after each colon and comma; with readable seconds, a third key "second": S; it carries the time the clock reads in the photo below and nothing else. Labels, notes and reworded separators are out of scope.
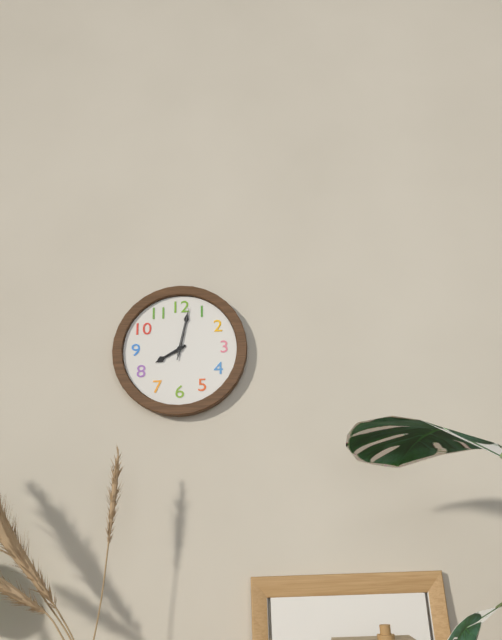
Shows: {"hour": 8, "minute": 2, "second": 2}
